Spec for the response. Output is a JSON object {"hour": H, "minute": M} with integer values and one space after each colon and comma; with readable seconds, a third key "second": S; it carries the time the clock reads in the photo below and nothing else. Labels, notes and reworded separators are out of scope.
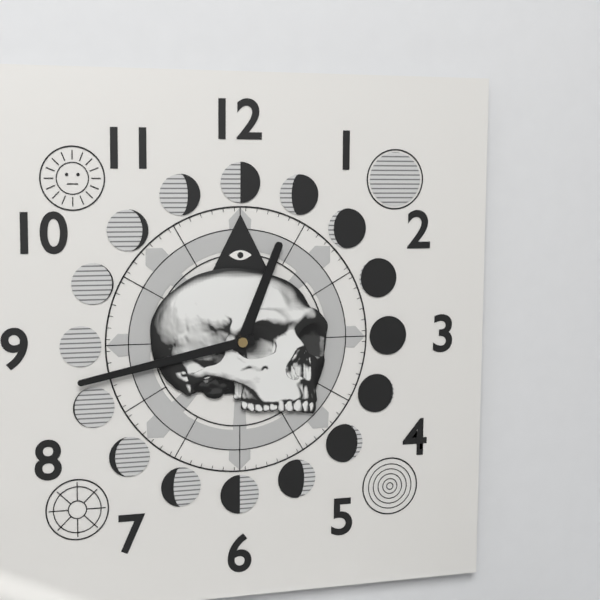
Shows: {"hour": 12, "minute": 43}
